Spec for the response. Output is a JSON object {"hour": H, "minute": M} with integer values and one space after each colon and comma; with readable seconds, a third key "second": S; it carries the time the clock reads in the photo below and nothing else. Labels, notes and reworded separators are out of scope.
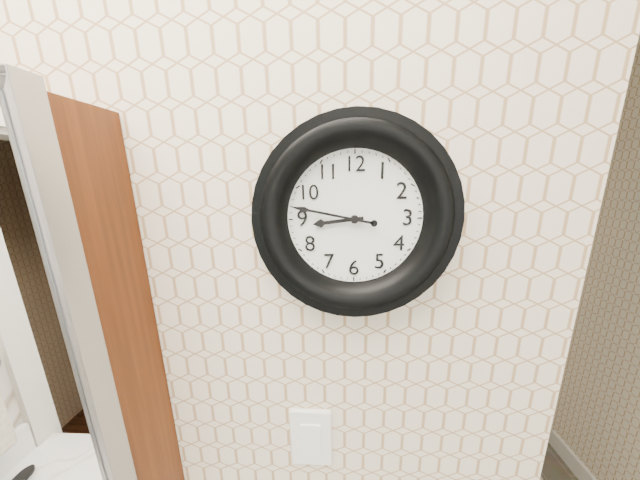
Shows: {"hour": 8, "minute": 47}
